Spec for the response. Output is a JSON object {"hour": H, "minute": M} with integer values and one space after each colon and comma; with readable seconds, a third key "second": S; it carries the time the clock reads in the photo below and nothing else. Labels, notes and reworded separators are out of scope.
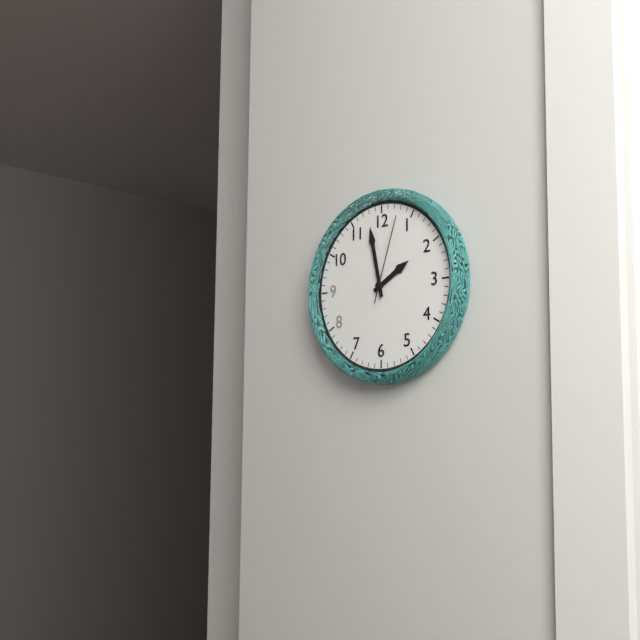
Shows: {"hour": 1, "minute": 58, "second": 3}
